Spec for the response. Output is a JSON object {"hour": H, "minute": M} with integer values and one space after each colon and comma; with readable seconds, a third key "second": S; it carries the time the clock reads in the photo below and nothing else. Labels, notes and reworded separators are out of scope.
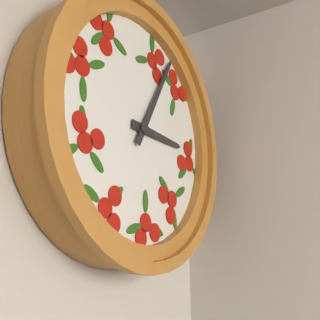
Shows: {"hour": 3, "minute": 5}
